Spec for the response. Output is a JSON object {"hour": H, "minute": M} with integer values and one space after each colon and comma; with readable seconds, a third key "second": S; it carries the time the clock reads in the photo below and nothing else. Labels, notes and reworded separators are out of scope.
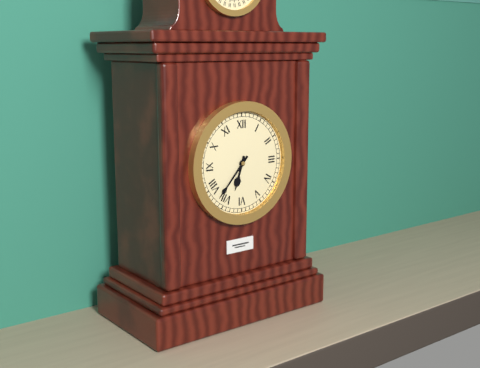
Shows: {"hour": 6, "minute": 37}
